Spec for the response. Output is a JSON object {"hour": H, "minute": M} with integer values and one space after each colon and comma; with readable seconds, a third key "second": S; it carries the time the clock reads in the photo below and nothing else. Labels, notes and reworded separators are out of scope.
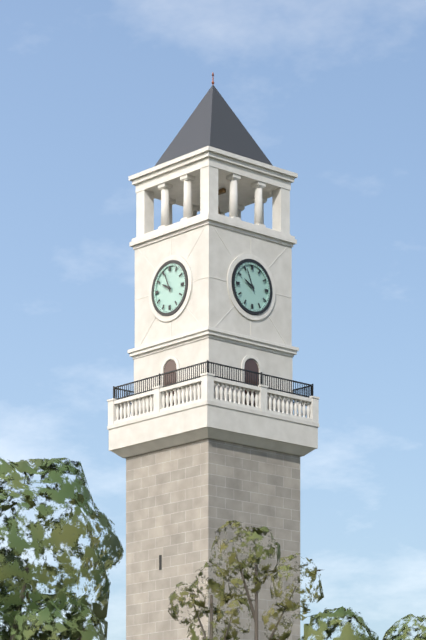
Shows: {"hour": 9, "minute": 56}
